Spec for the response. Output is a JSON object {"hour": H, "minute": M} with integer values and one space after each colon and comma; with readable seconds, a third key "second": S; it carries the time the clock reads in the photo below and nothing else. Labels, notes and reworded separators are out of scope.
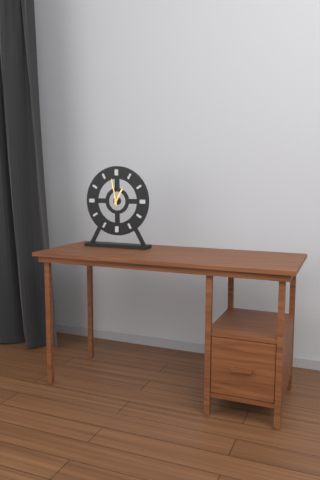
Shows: {"hour": 12, "minute": 58}
